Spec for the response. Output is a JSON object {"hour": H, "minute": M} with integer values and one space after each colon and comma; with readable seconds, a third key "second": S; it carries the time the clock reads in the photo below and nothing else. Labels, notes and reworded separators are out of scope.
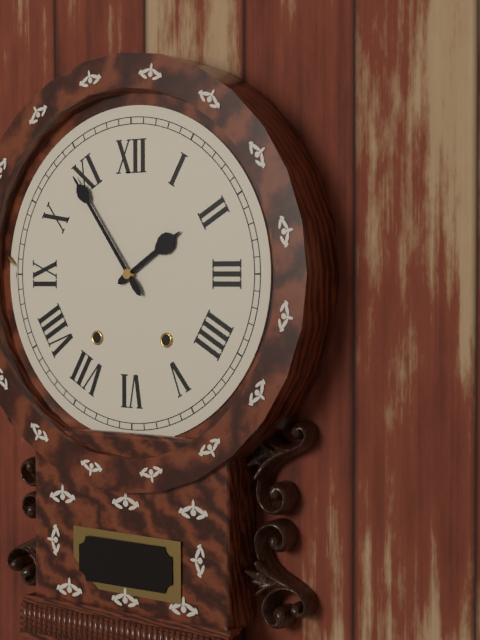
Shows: {"hour": 1, "minute": 54}
